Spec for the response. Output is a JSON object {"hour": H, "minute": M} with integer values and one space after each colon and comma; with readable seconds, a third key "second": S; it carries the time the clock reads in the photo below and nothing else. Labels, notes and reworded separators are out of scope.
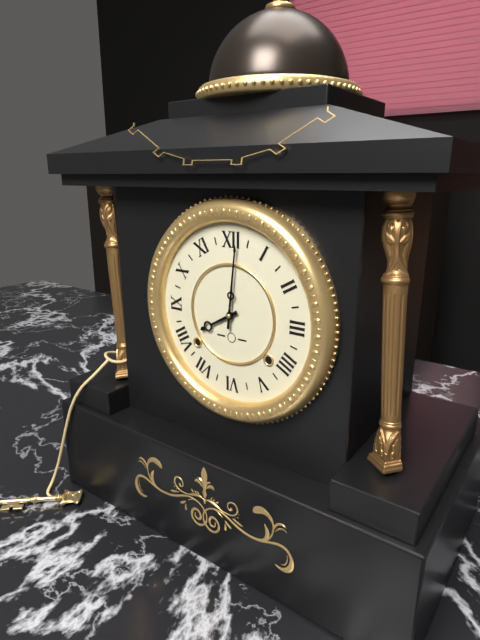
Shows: {"hour": 8, "minute": 1}
